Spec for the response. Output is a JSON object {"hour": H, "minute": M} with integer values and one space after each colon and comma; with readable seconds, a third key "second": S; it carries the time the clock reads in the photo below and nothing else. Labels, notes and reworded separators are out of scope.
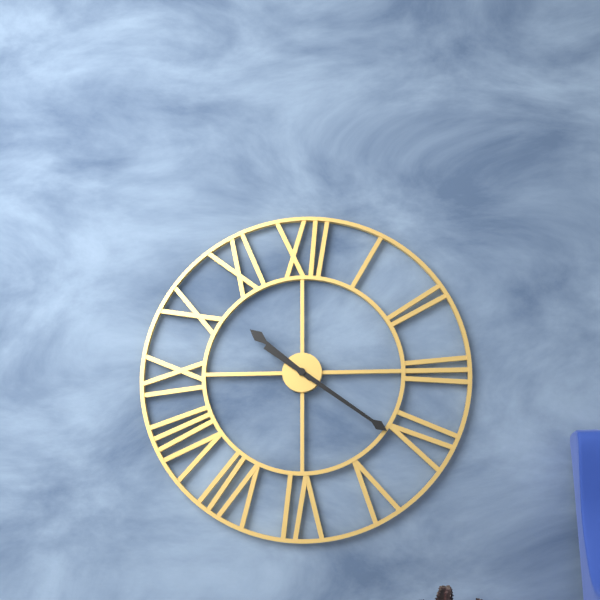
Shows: {"hour": 10, "minute": 21}
